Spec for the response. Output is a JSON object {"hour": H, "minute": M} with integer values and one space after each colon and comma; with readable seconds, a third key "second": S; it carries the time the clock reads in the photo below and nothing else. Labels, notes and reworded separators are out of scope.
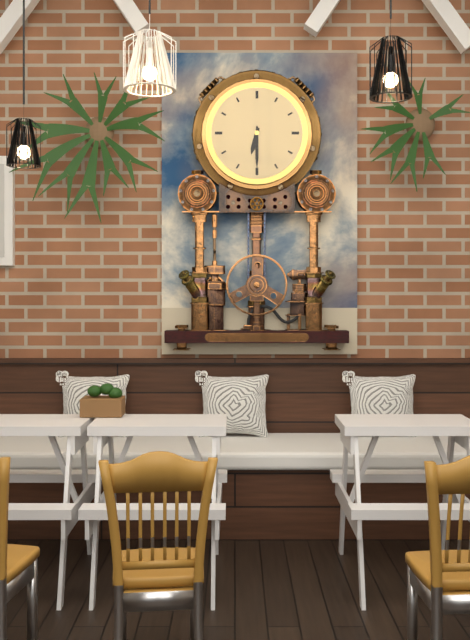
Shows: {"hour": 6, "minute": 30}
